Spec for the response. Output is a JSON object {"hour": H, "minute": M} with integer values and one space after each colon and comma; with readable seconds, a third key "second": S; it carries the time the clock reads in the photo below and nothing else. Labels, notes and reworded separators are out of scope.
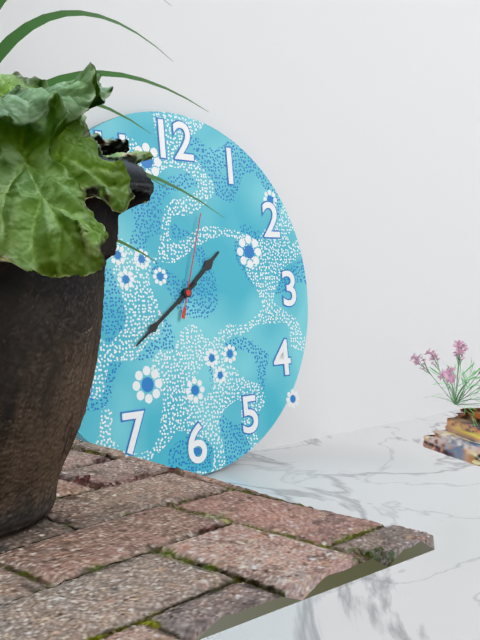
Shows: {"hour": 1, "minute": 39, "second": 3}
